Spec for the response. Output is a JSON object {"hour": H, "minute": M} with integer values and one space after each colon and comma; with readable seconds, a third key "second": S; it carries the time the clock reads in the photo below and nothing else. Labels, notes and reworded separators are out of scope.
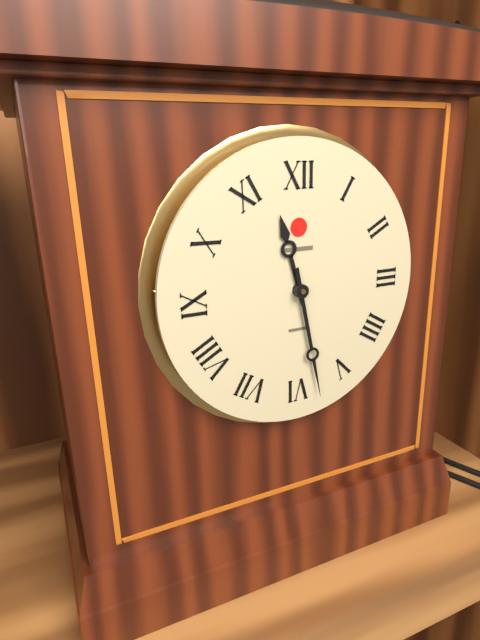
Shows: {"hour": 11, "minute": 28}
